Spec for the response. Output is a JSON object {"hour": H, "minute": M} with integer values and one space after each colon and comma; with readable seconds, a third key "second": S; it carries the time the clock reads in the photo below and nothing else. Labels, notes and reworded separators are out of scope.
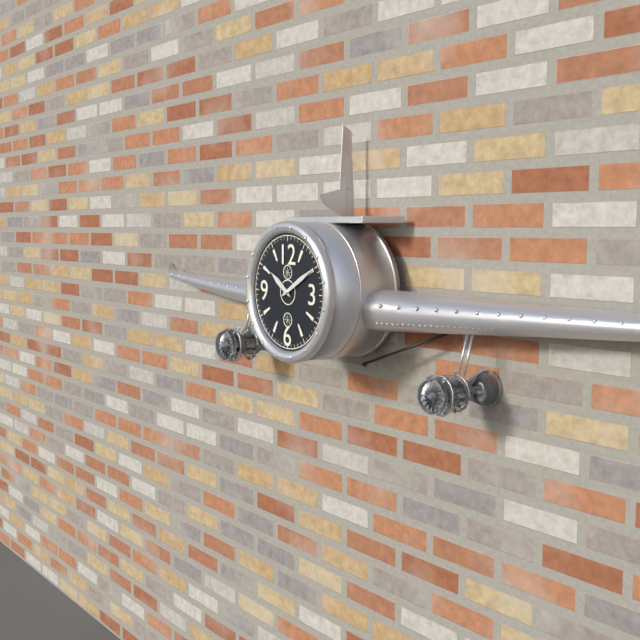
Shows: {"hour": 10, "minute": 10}
